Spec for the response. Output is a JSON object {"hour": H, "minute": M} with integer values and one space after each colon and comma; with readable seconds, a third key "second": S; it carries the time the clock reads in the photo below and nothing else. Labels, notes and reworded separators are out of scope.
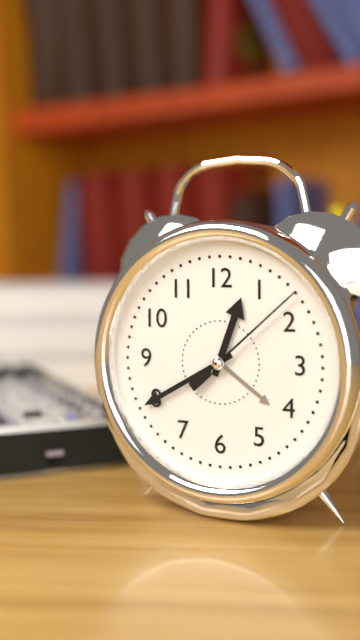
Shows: {"hour": 12, "minute": 40, "second": 8}
